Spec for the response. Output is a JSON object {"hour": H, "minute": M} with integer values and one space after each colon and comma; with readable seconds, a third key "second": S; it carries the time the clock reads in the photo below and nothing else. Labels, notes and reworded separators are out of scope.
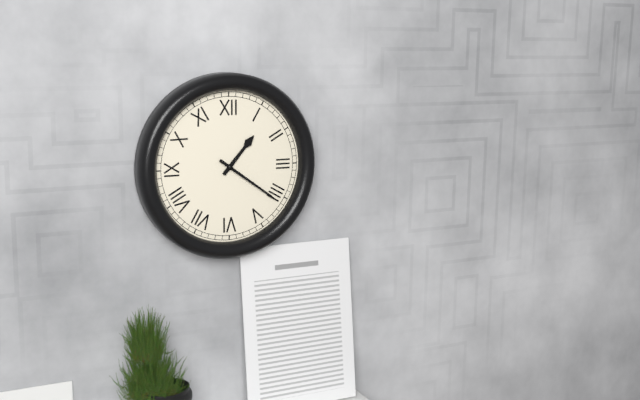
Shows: {"hour": 1, "minute": 21}
